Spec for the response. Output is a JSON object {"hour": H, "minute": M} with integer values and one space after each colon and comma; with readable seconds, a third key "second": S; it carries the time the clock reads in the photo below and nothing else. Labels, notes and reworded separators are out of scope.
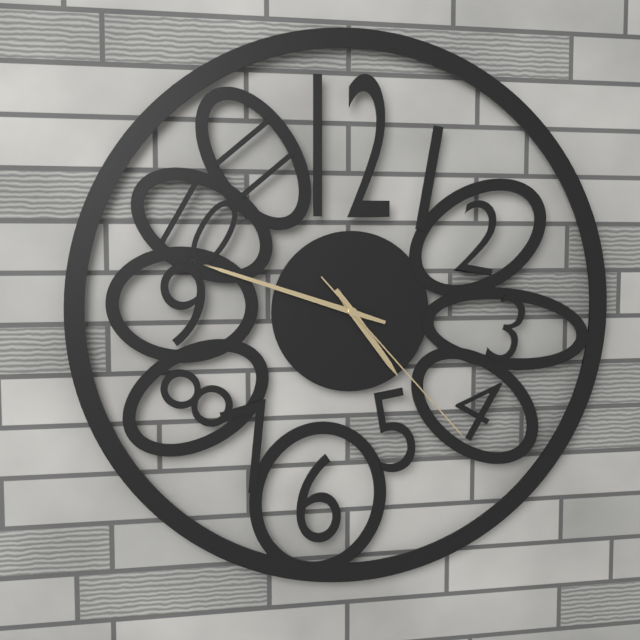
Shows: {"hour": 4, "minute": 48, "second": 23}
